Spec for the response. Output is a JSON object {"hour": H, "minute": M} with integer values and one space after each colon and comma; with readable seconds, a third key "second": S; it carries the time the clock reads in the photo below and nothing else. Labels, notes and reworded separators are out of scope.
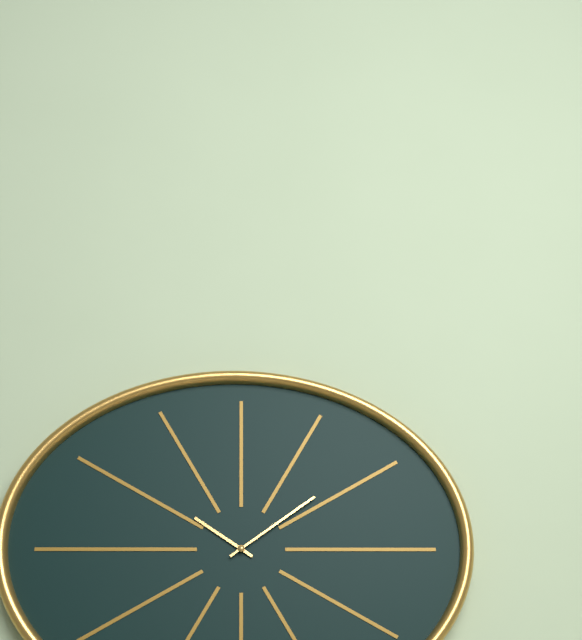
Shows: {"hour": 10, "minute": 9}
